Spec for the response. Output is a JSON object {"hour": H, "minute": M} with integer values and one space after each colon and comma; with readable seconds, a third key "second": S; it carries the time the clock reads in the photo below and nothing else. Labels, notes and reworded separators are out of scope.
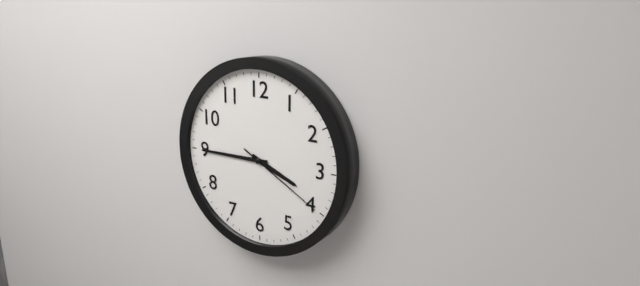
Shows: {"hour": 3, "minute": 45, "second": 20}
